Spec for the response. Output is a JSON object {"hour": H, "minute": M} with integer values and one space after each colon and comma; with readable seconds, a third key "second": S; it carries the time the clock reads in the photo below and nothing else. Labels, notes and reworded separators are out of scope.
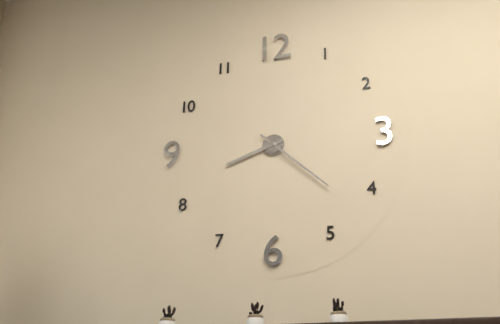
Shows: {"hour": 8, "minute": 22}
